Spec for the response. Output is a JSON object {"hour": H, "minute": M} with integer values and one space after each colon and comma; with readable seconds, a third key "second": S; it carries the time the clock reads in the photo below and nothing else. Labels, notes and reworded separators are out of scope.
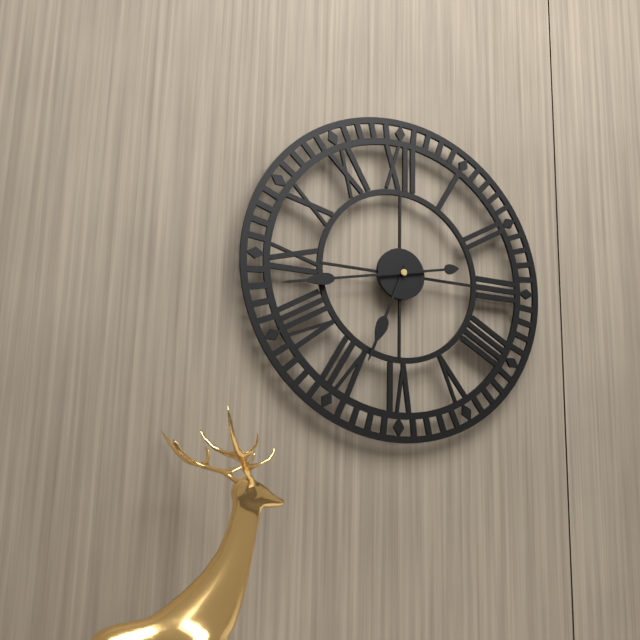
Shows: {"hour": 6, "minute": 43}
